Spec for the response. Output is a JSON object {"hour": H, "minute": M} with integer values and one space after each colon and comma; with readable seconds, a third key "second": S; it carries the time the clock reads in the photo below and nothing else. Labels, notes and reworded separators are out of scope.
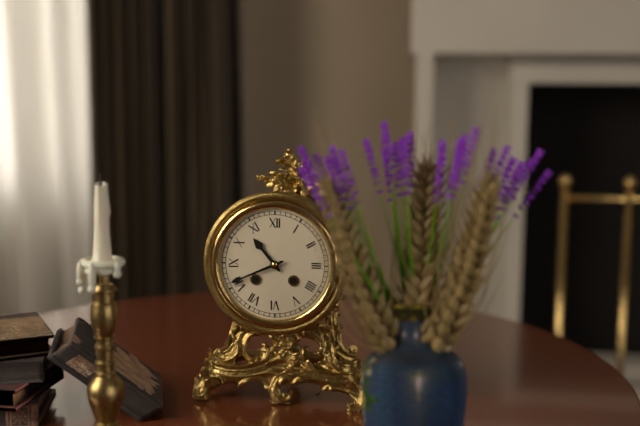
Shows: {"hour": 10, "minute": 41}
